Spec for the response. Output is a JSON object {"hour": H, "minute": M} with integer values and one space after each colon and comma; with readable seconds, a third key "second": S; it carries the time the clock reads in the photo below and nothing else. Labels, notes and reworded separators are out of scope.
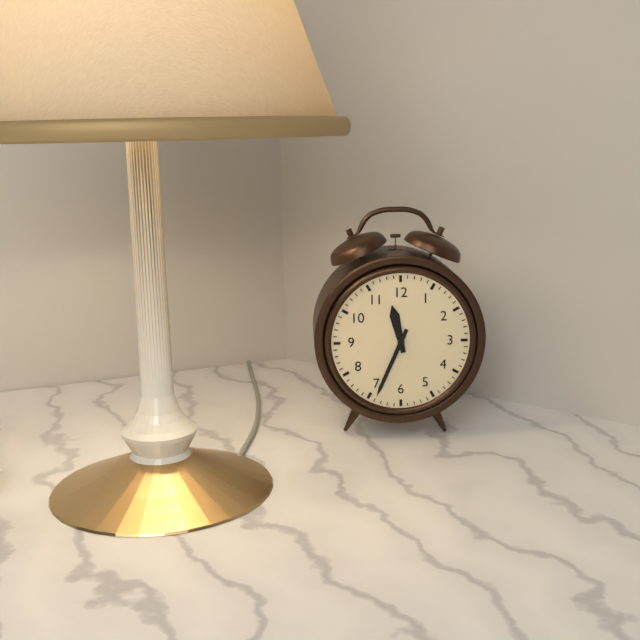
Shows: {"hour": 11, "minute": 34}
